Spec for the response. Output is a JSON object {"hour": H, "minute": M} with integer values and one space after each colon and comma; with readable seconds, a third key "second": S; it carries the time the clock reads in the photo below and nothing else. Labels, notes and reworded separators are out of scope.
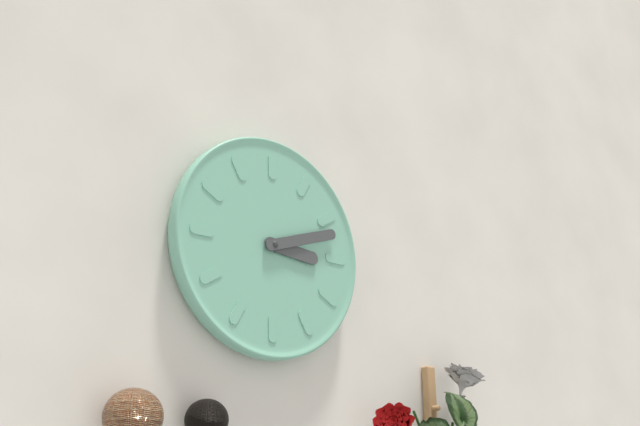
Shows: {"hour": 3, "minute": 12}
